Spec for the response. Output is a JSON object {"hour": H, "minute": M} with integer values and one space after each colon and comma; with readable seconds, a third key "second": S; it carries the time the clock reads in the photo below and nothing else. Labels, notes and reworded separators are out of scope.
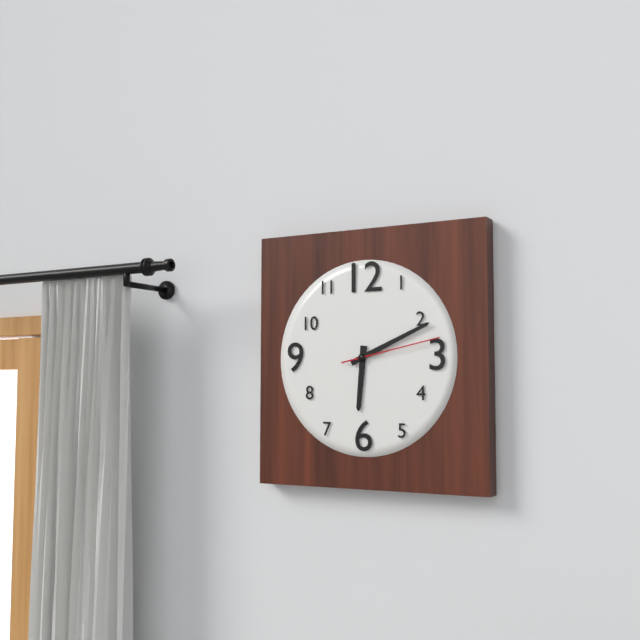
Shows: {"hour": 6, "minute": 11, "second": 13}
